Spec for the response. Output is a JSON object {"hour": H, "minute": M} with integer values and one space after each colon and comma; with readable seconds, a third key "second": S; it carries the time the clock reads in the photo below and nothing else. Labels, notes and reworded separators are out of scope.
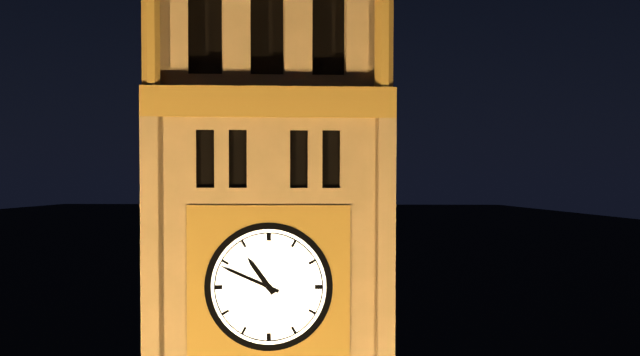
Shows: {"hour": 10, "minute": 49}
